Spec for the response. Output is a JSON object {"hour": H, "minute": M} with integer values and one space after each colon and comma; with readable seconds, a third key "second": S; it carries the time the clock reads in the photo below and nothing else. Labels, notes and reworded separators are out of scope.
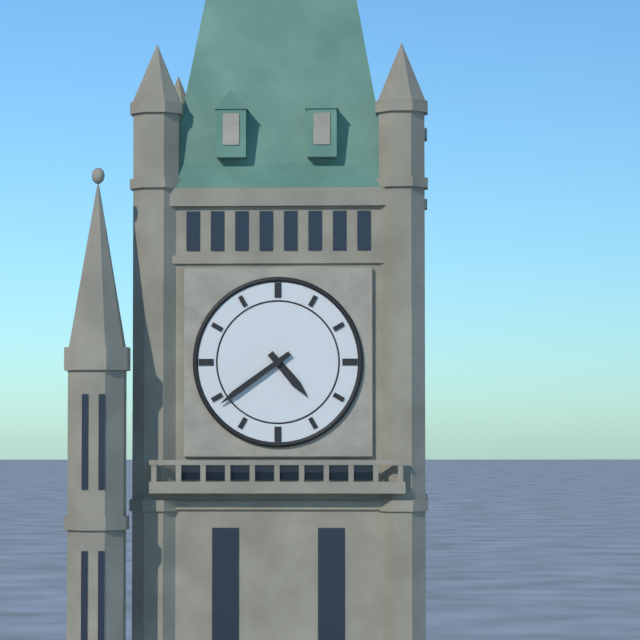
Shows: {"hour": 4, "minute": 39}
